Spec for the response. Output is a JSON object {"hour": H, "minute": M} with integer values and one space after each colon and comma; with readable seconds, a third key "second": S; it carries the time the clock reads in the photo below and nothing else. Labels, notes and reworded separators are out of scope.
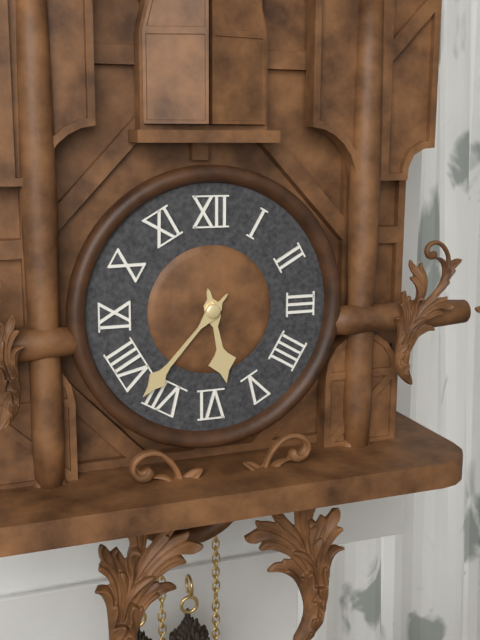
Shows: {"hour": 5, "minute": 37}
